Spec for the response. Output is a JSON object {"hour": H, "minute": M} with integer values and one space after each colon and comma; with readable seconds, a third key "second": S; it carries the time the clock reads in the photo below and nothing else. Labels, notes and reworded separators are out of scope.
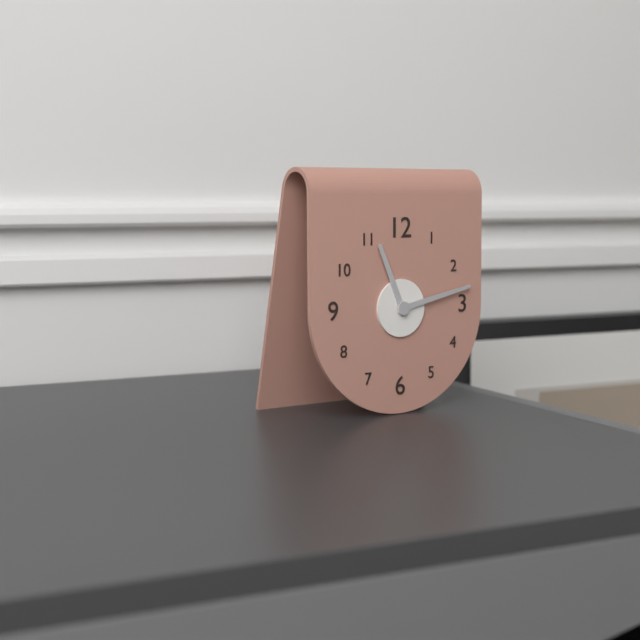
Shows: {"hour": 11, "minute": 13}
